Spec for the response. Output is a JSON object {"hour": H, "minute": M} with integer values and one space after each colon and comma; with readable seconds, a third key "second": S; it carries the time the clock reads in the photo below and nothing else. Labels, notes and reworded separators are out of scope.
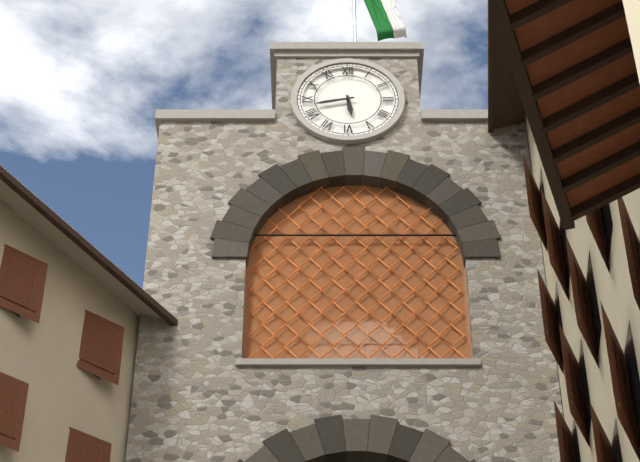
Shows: {"hour": 5, "minute": 43}
